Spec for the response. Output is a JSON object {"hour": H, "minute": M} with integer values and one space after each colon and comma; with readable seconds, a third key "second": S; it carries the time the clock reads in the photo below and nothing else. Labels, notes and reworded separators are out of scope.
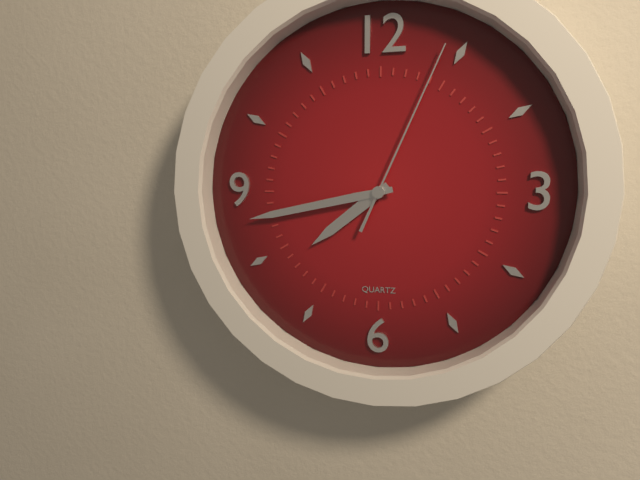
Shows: {"hour": 7, "minute": 43, "second": 4}
